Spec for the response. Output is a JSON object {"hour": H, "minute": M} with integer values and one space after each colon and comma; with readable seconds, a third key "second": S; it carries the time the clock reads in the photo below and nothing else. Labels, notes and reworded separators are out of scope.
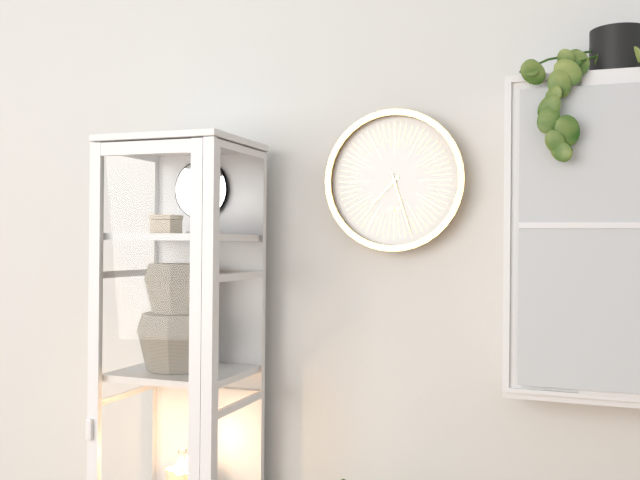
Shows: {"hour": 7, "minute": 27}
